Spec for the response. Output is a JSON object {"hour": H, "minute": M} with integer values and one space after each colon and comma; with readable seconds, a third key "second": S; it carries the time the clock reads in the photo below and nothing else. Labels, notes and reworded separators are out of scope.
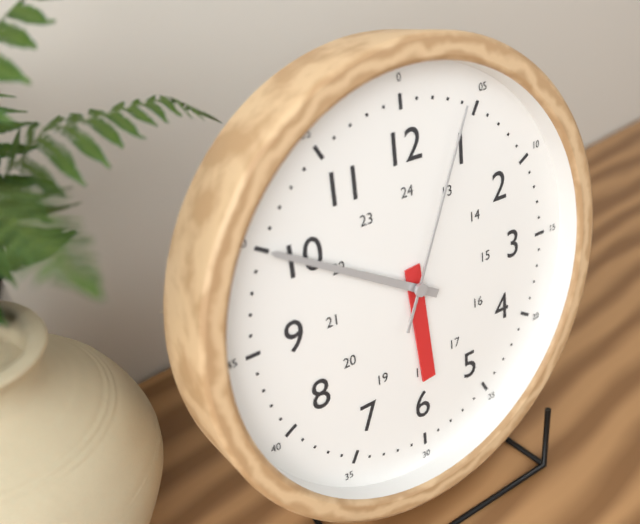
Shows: {"hour": 5, "minute": 50, "second": 4}
